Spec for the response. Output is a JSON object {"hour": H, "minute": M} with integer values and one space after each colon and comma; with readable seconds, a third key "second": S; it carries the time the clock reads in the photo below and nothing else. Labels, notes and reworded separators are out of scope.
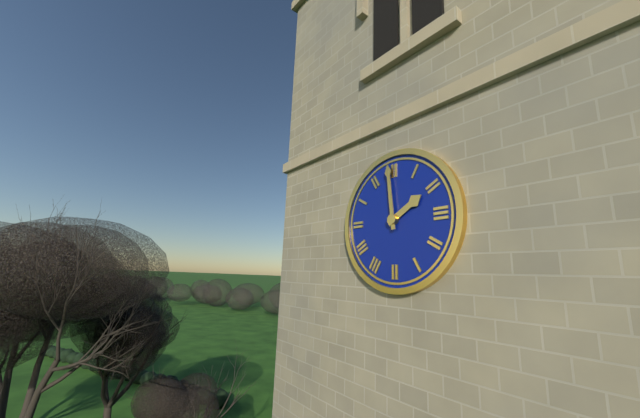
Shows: {"hour": 1, "minute": 59}
